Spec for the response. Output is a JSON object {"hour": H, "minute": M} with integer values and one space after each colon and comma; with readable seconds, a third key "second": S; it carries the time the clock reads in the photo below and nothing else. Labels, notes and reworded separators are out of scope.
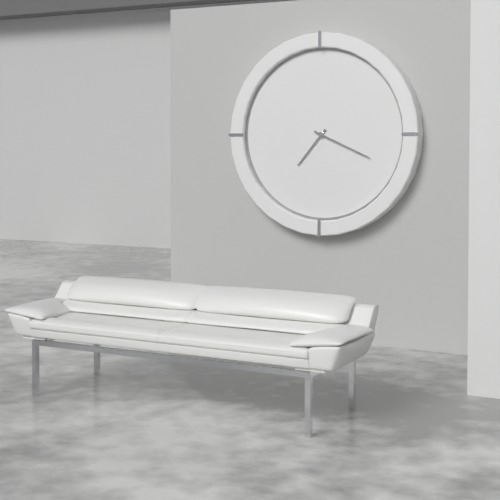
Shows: {"hour": 7, "minute": 19}
